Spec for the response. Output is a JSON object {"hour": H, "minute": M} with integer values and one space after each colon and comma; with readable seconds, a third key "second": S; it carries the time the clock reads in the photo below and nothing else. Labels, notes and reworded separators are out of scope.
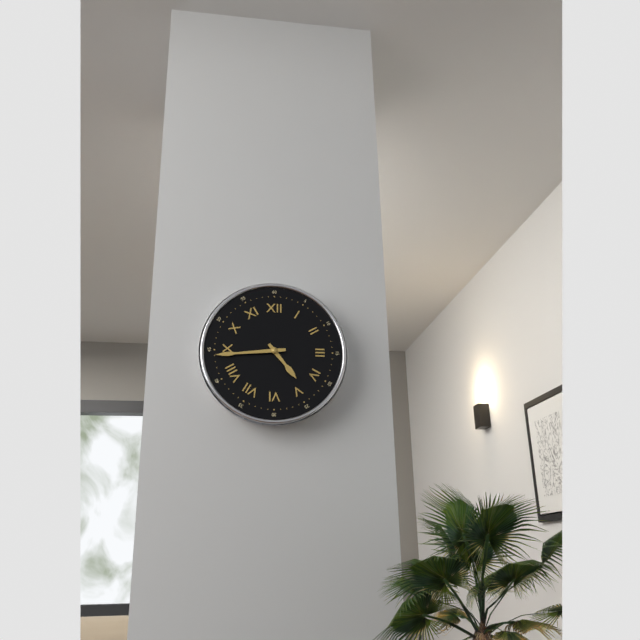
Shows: {"hour": 4, "minute": 44}
